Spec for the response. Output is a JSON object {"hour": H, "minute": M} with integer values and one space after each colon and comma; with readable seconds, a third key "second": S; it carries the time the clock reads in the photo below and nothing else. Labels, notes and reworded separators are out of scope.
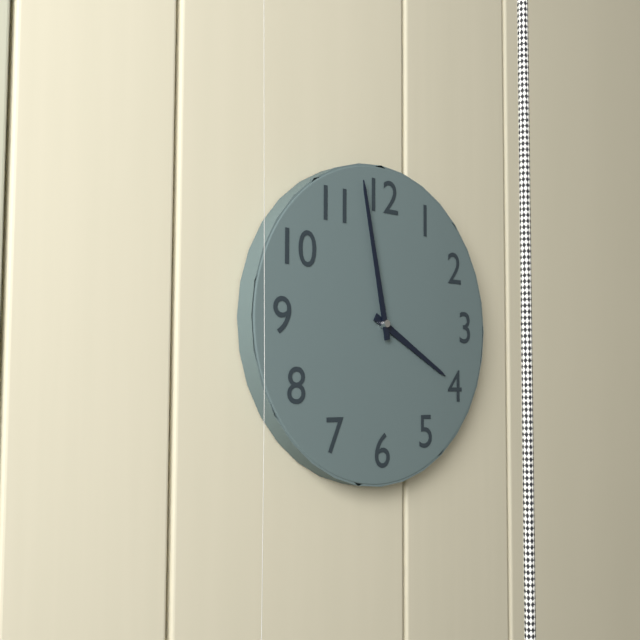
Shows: {"hour": 3, "minute": 58}
